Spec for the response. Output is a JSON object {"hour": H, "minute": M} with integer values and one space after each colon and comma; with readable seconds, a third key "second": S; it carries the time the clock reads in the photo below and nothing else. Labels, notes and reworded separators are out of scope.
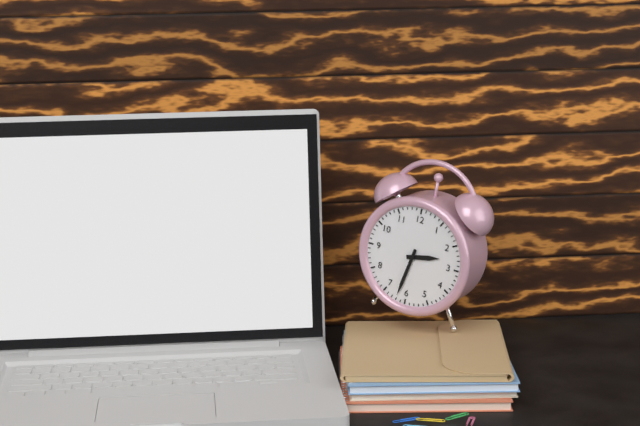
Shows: {"hour": 2, "minute": 32}
